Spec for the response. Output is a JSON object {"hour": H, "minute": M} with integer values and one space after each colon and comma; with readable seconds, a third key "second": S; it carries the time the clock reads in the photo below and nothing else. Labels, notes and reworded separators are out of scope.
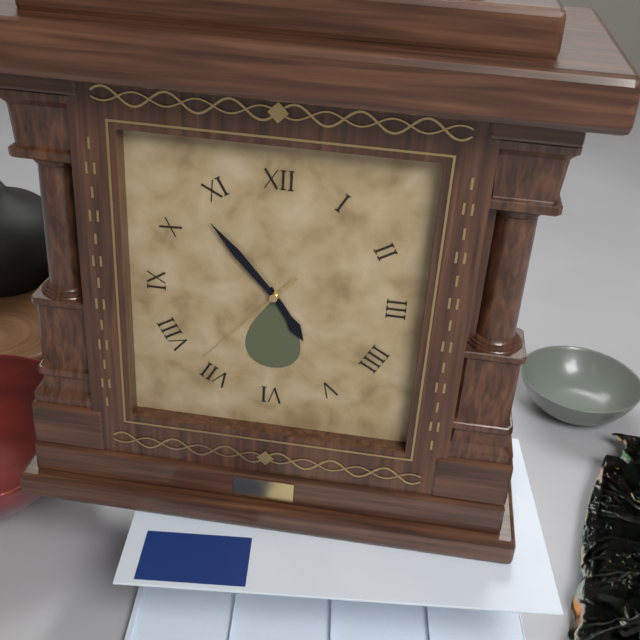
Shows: {"hour": 4, "minute": 53, "second": 37}
